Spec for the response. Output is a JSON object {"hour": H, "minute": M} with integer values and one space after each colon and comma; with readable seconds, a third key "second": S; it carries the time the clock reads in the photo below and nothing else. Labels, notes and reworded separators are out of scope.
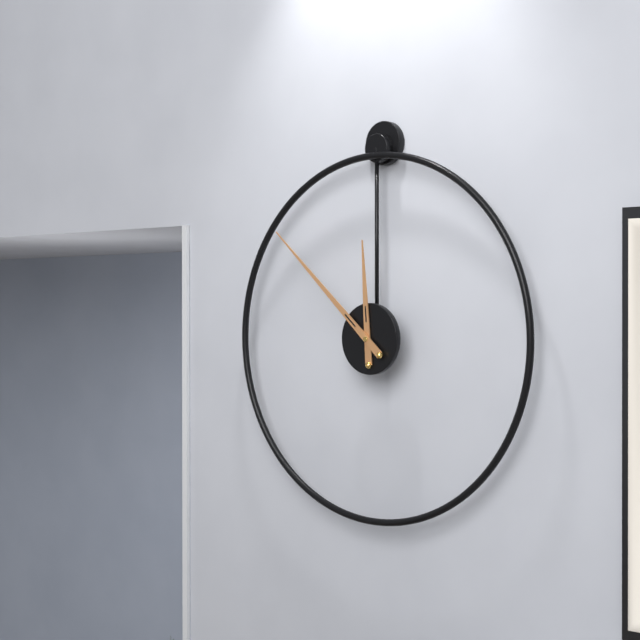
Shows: {"hour": 11, "minute": 52}
